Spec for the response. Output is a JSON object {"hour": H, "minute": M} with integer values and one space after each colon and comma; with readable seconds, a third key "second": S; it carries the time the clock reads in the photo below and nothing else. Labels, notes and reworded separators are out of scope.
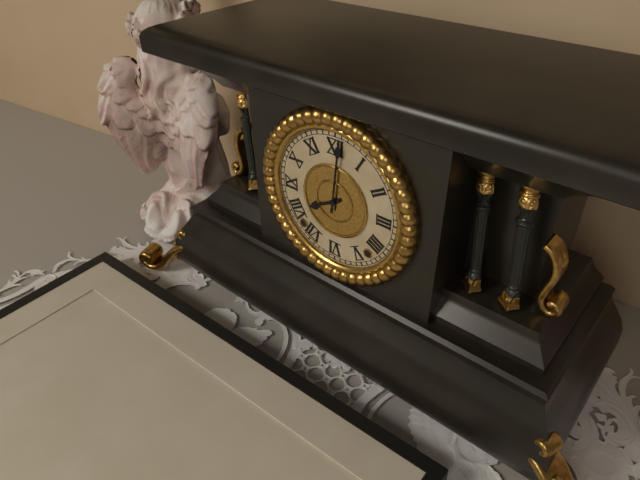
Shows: {"hour": 8, "minute": 1}
